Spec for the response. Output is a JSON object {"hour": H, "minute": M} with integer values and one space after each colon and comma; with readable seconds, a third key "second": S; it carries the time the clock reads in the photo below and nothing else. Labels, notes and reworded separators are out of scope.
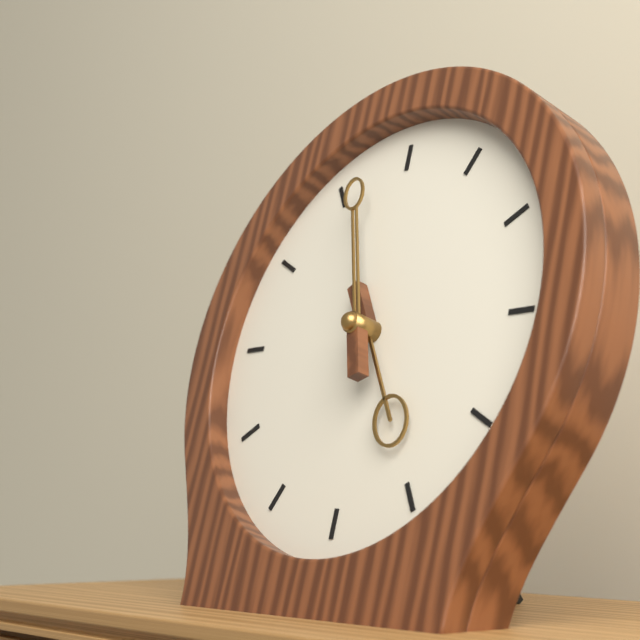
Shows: {"hour": 4, "minute": 57}
